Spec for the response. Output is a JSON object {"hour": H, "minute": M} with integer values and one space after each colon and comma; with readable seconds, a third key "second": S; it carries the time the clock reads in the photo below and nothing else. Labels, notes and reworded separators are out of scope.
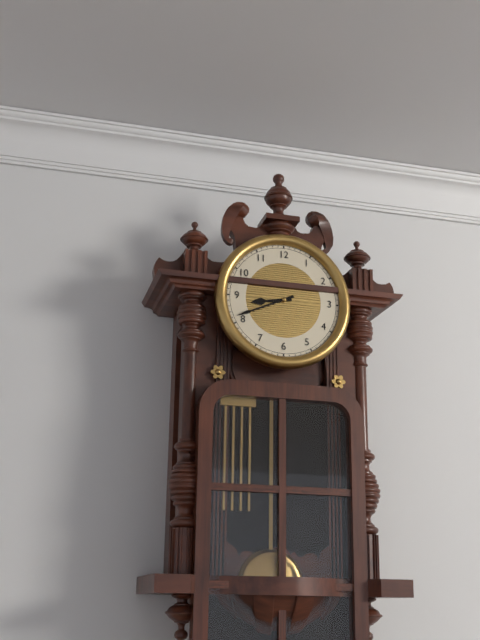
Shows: {"hour": 8, "minute": 41}
